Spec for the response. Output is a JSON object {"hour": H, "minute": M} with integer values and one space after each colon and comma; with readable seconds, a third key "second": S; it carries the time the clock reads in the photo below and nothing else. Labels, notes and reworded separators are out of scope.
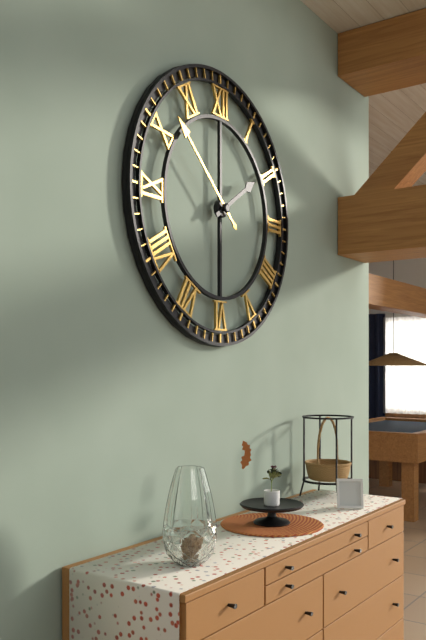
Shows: {"hour": 1, "minute": 52}
